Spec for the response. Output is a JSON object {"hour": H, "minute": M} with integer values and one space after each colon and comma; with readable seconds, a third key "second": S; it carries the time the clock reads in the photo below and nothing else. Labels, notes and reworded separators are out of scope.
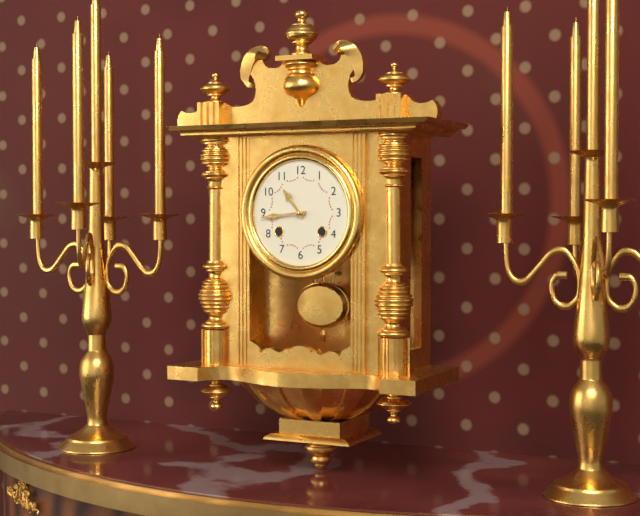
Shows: {"hour": 10, "minute": 44}
